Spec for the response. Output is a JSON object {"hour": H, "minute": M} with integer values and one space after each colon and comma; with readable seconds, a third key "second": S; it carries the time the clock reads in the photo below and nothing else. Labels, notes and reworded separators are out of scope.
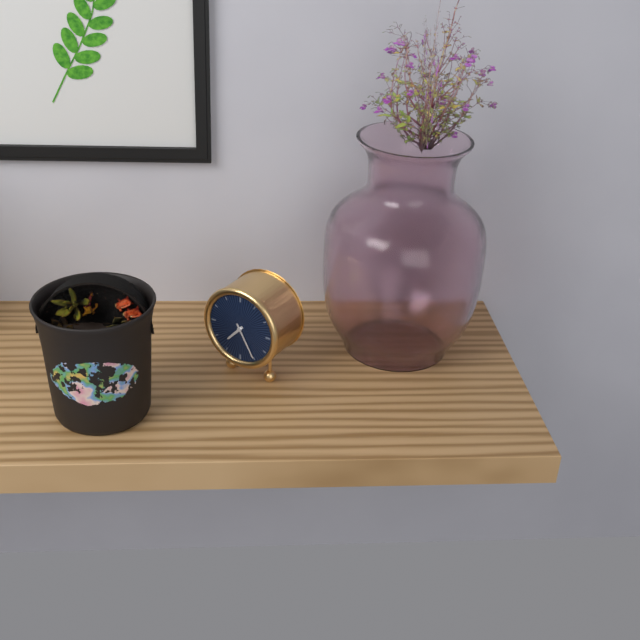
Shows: {"hour": 7, "minute": 25}
